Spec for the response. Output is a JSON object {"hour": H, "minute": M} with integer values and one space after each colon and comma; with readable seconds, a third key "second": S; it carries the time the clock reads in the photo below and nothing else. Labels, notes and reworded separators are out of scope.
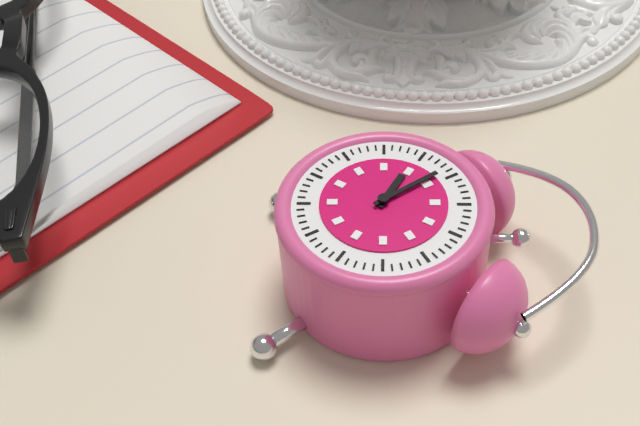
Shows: {"hour": 9, "minute": 54}
